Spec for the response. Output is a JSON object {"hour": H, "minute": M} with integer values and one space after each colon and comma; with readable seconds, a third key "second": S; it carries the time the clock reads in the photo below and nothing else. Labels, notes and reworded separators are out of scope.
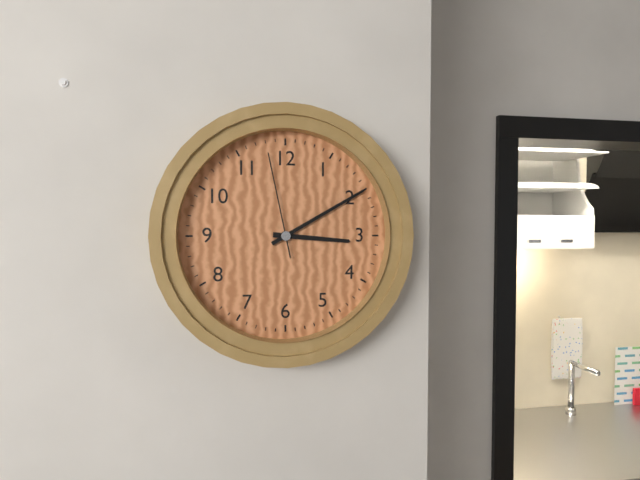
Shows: {"hour": 3, "minute": 10, "second": 58}
